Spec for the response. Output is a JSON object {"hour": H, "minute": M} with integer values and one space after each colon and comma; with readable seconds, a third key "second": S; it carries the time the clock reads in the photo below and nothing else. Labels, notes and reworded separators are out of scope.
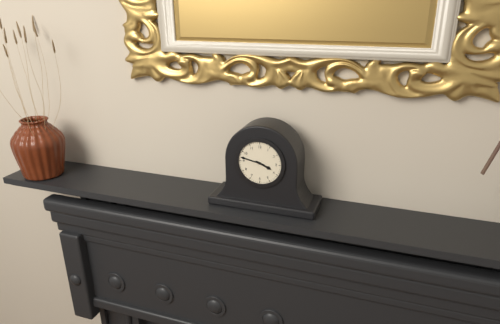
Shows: {"hour": 3, "minute": 47}
